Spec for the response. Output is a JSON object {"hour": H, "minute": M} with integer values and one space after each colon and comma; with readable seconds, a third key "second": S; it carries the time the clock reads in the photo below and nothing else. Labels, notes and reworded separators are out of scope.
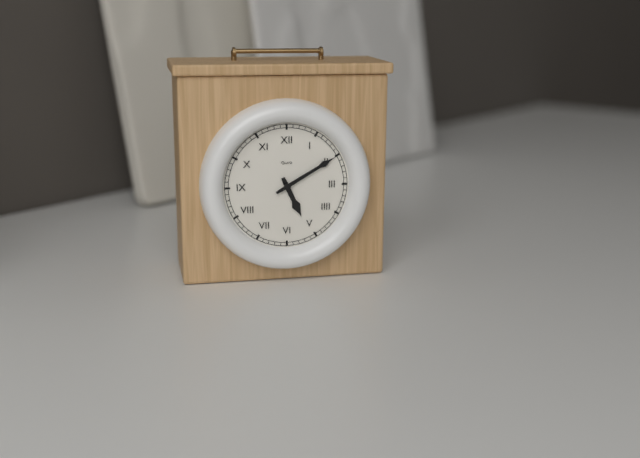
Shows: {"hour": 5, "minute": 10}
